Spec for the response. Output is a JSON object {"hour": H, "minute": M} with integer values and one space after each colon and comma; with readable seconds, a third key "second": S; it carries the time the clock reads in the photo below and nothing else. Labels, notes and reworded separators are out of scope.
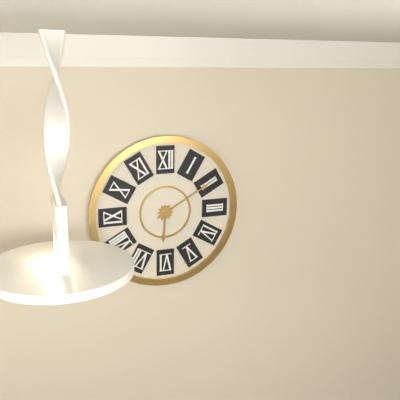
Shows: {"hour": 6, "minute": 10}
